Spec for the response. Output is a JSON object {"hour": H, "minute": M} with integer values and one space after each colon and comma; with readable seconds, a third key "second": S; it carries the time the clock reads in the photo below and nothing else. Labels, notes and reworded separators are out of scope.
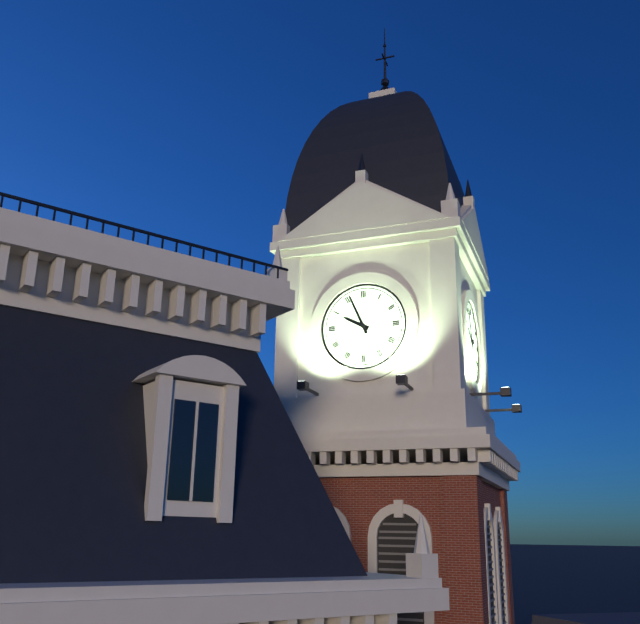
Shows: {"hour": 9, "minute": 56}
